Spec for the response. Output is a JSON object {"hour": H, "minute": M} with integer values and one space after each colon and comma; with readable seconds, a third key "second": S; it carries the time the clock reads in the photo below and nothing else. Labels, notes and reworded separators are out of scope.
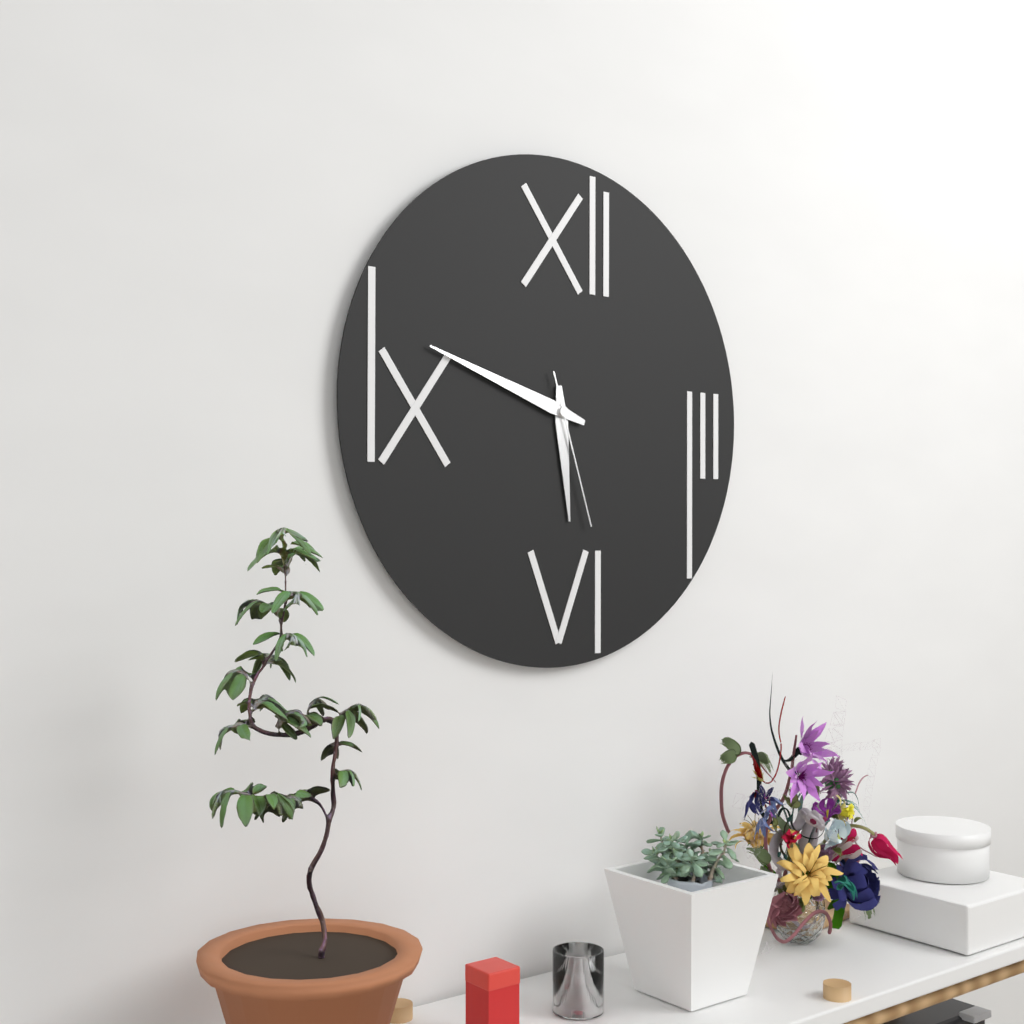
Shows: {"hour": 5, "minute": 48, "second": 27}
